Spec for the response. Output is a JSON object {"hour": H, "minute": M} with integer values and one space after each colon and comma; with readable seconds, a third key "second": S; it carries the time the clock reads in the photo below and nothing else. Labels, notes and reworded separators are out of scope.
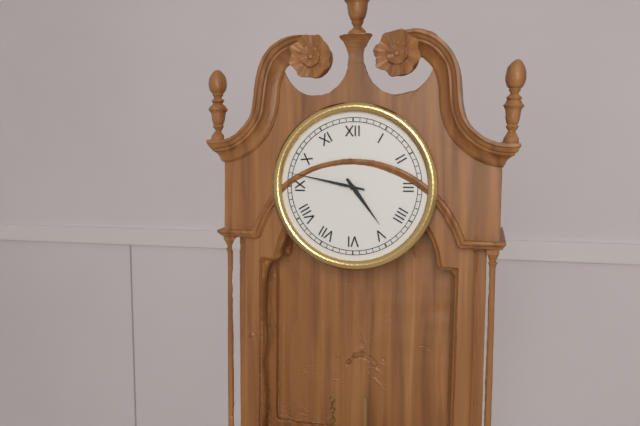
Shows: {"hour": 4, "minute": 47}
